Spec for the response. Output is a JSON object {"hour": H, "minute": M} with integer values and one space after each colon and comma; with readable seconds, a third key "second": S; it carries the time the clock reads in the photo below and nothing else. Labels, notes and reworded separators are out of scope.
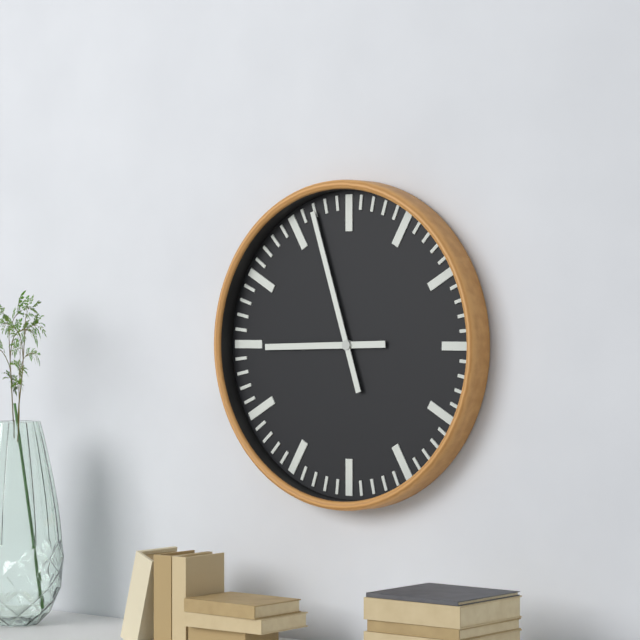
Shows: {"hour": 8, "minute": 57}
